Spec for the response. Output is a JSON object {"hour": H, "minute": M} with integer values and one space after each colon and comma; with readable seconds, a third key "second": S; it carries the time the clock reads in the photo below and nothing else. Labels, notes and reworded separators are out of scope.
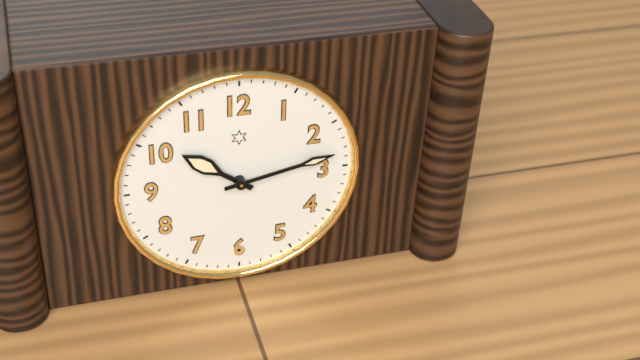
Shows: {"hour": 10, "minute": 13}
